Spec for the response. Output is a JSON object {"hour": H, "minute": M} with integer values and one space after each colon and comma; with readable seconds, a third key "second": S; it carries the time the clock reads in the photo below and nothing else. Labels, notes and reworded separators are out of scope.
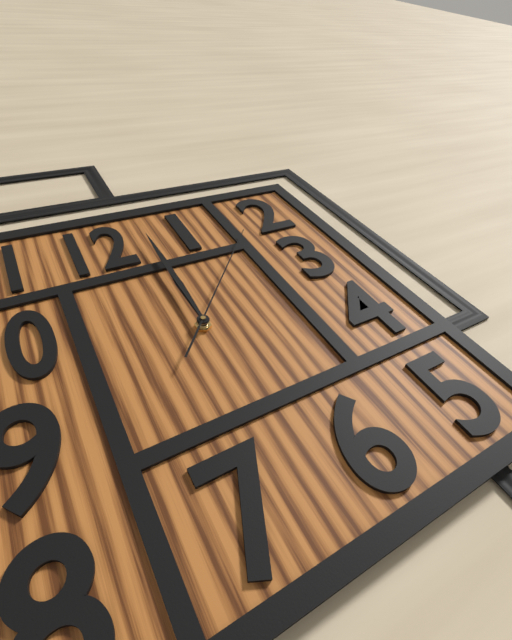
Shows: {"hour": 12, "minute": 0, "second": 7}
